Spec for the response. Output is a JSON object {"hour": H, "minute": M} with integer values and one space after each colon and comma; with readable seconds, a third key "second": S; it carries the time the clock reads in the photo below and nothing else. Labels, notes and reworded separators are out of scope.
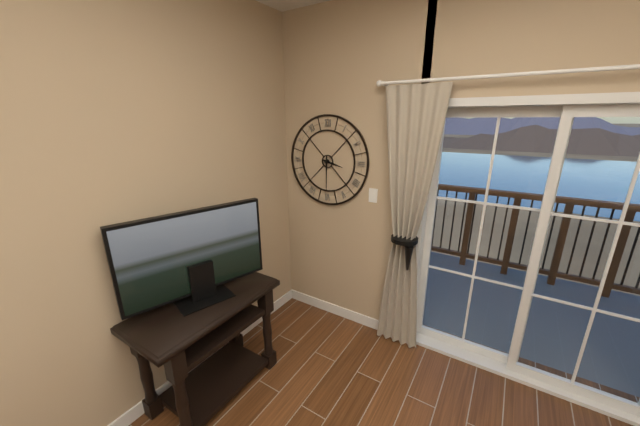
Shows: {"hour": 3, "minute": 30}
